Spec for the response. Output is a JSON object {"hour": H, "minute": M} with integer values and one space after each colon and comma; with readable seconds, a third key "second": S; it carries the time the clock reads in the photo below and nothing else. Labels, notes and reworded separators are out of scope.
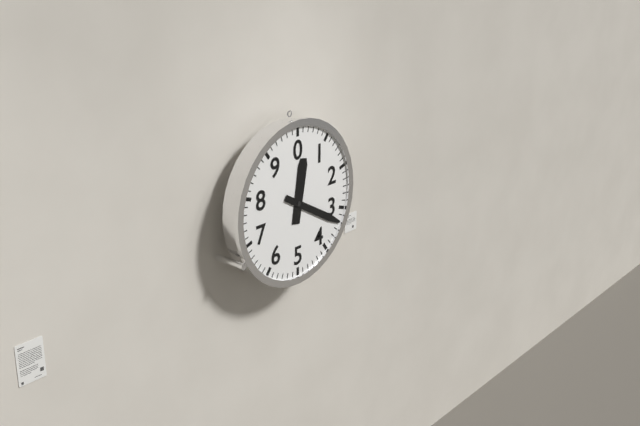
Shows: {"hour": 12, "minute": 20}
